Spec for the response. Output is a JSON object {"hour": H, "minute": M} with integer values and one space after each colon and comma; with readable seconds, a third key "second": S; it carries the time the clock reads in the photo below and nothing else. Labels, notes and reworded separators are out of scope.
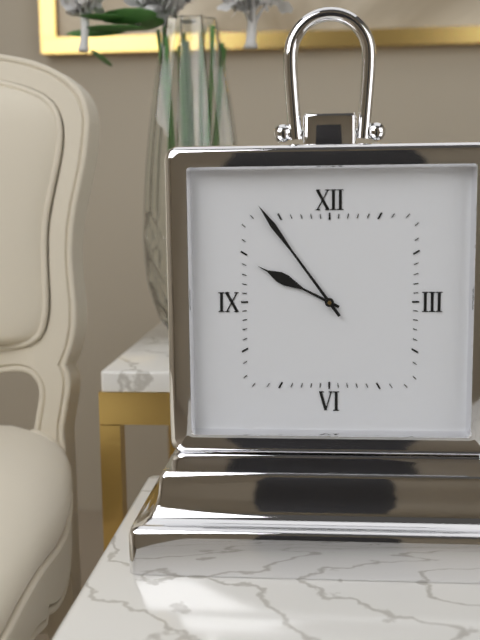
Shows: {"hour": 9, "minute": 54}
